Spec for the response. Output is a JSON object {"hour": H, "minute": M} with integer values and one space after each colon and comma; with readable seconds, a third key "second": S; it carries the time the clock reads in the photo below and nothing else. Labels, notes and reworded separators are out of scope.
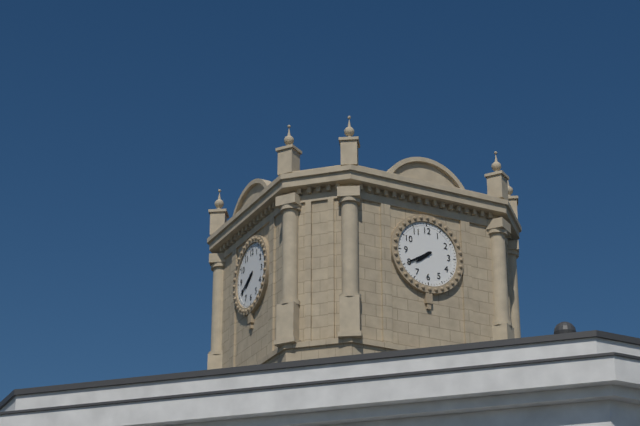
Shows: {"hour": 7, "minute": 40}
